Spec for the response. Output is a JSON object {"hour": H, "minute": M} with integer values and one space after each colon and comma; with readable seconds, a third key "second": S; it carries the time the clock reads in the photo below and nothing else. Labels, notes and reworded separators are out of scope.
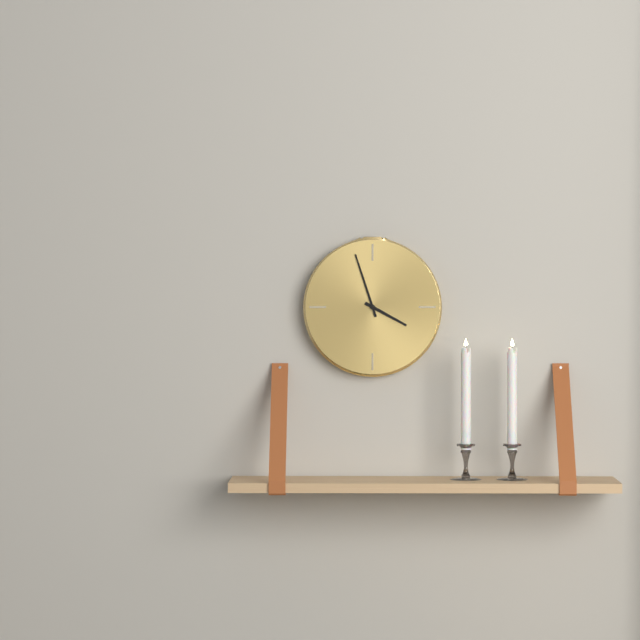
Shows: {"hour": 3, "minute": 57}
